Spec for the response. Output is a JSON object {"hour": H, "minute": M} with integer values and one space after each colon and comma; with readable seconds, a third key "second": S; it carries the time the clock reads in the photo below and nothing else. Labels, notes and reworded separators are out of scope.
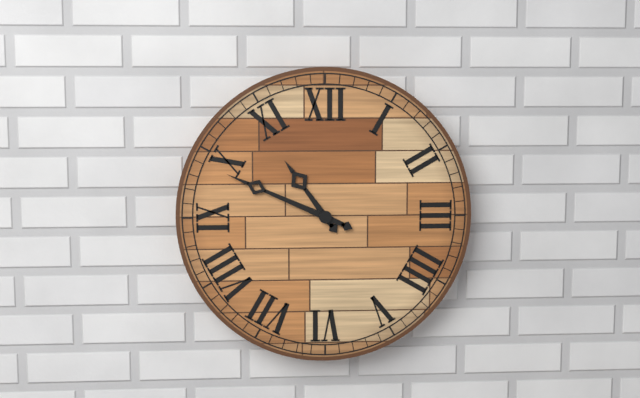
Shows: {"hour": 10, "minute": 49}
